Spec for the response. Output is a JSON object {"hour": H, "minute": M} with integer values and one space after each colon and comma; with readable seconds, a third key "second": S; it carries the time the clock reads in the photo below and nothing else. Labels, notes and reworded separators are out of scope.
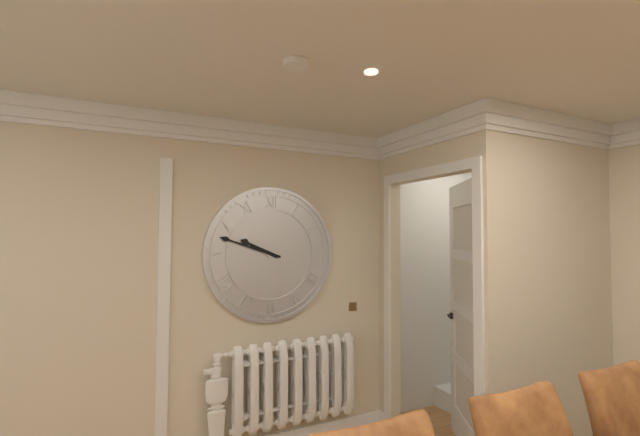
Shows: {"hour": 9, "minute": 48}
